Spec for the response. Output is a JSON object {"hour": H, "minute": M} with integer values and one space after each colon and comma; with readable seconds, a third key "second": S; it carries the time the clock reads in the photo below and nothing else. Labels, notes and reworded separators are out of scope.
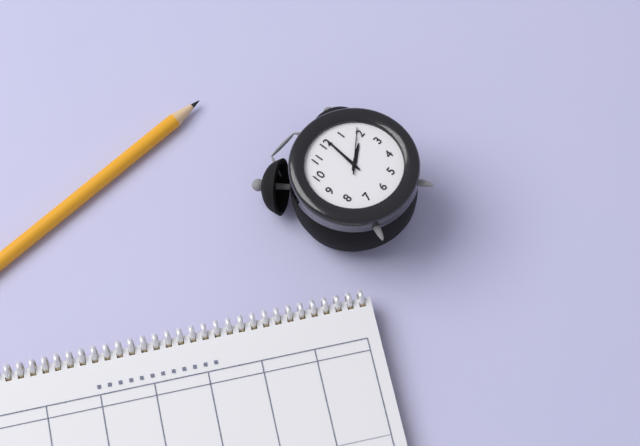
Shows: {"hour": 2, "minute": 1}
